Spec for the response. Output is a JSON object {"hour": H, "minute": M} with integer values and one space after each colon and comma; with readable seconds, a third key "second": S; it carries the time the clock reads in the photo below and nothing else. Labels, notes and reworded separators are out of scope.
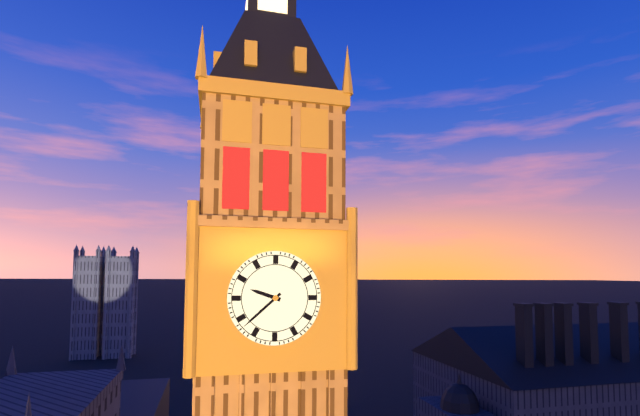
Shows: {"hour": 9, "minute": 38}
